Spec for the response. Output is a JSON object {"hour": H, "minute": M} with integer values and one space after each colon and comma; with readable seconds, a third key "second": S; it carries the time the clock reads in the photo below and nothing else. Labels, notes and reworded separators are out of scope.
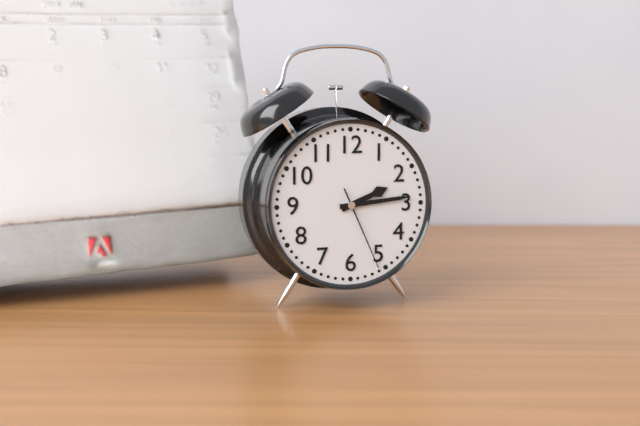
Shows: {"hour": 2, "minute": 14, "second": 26}
